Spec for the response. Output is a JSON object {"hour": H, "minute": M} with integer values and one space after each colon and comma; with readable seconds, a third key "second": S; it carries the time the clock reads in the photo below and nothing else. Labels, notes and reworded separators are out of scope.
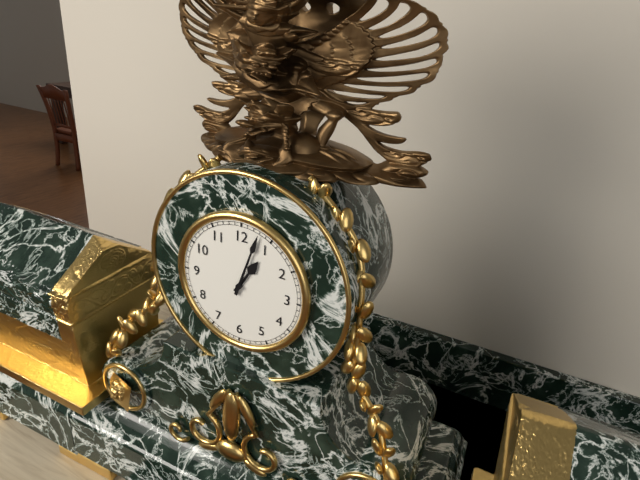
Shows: {"hour": 1, "minute": 3}
